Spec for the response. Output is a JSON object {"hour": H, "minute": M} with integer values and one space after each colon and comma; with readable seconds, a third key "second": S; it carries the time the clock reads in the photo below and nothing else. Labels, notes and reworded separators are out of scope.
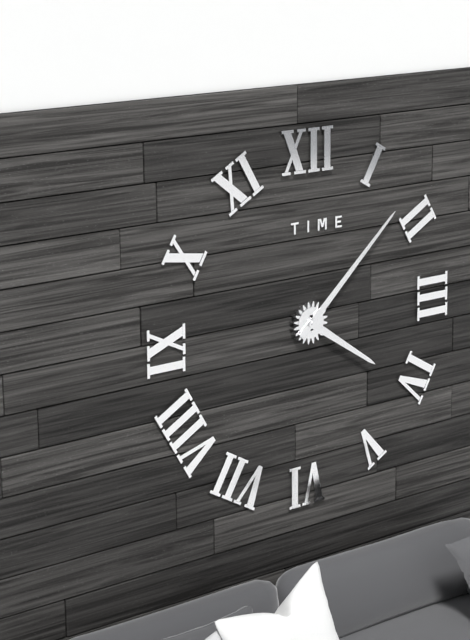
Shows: {"hour": 4, "minute": 8}
